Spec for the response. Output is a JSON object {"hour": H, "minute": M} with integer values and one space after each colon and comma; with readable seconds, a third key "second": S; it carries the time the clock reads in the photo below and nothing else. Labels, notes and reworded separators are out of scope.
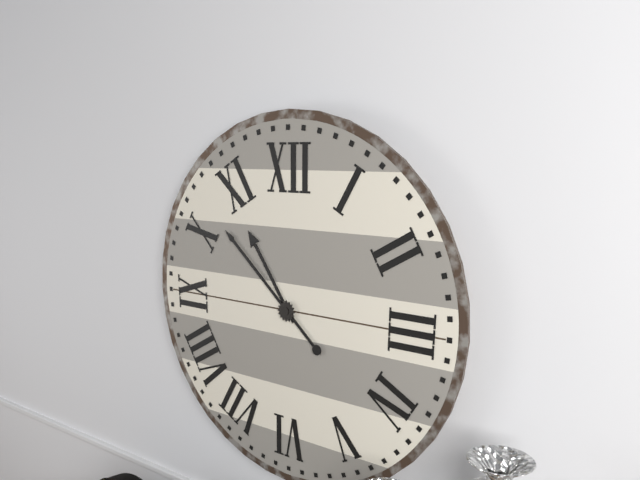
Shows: {"hour": 10, "minute": 52}
